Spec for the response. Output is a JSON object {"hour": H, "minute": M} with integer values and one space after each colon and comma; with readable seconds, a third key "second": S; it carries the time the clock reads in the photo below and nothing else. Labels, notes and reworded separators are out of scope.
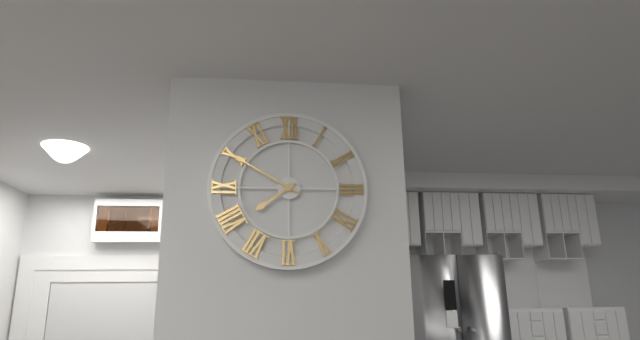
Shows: {"hour": 7, "minute": 50}
